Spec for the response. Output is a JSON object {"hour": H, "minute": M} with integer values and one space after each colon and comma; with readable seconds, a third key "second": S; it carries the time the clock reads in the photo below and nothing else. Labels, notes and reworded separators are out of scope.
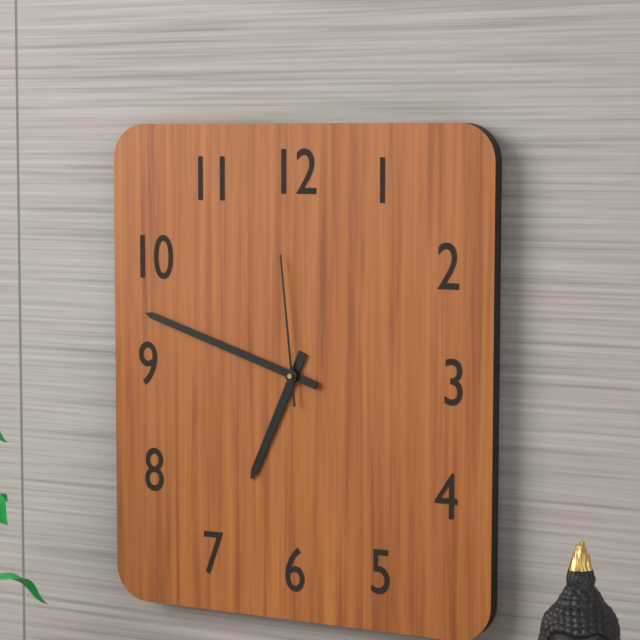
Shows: {"hour": 6, "minute": 48, "second": 59}
